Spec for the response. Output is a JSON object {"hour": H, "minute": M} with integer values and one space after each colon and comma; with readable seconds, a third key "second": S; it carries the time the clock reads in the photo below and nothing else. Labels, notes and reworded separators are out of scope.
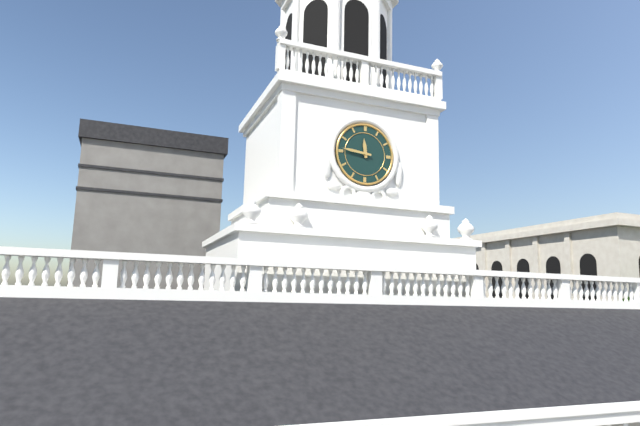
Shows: {"hour": 11, "minute": 46}
